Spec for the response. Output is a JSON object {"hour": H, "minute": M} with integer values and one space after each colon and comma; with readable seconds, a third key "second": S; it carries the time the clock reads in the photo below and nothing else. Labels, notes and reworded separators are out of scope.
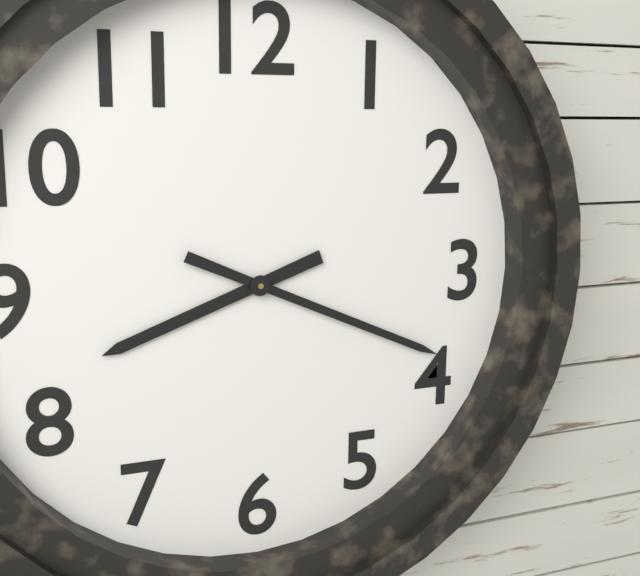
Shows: {"hour": 8, "minute": 19}
